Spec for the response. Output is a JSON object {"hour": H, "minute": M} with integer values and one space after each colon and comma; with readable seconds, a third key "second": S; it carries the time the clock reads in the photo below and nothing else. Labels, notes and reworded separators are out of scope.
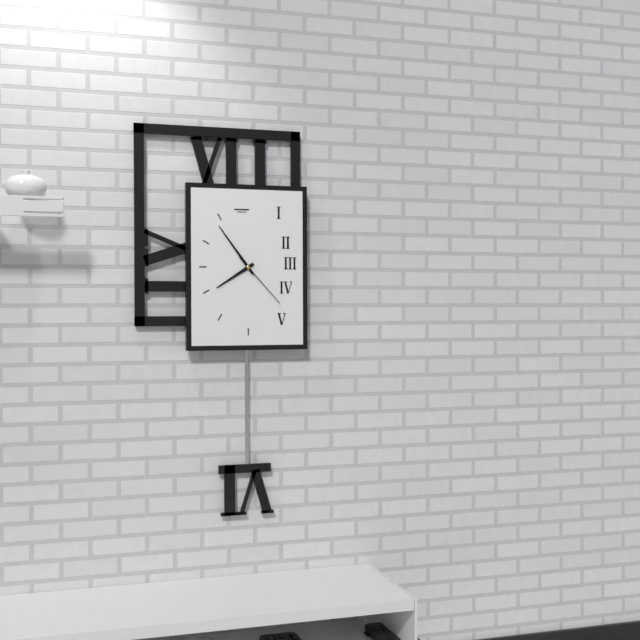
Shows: {"hour": 7, "minute": 54, "second": 23}
